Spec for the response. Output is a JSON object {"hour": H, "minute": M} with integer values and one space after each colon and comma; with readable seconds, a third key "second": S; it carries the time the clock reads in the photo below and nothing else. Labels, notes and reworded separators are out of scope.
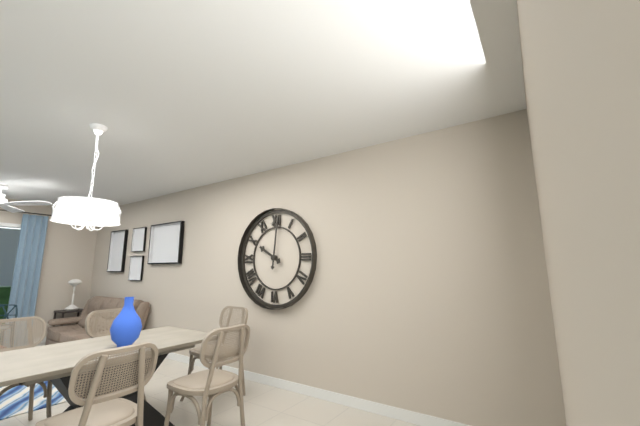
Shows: {"hour": 10, "minute": 1}
